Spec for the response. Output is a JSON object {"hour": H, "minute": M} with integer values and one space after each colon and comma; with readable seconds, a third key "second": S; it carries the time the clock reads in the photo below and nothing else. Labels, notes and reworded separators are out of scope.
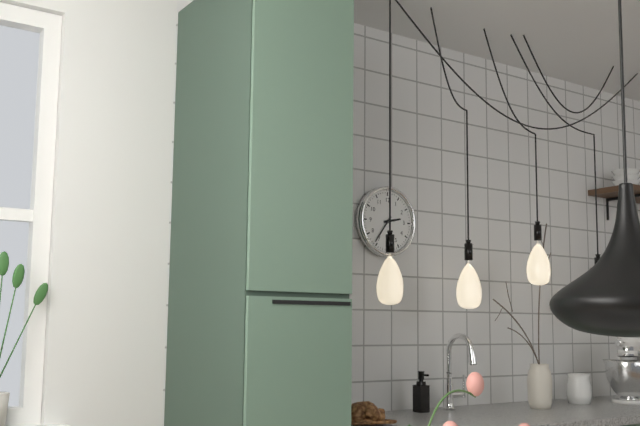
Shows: {"hour": 2, "minute": 36}
